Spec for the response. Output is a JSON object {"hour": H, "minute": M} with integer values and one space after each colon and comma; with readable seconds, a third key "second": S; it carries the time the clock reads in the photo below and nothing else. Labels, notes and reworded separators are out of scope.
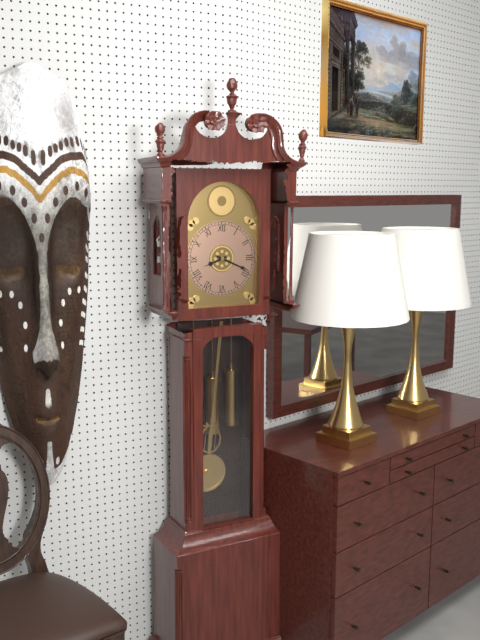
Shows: {"hour": 8, "minute": 19}
